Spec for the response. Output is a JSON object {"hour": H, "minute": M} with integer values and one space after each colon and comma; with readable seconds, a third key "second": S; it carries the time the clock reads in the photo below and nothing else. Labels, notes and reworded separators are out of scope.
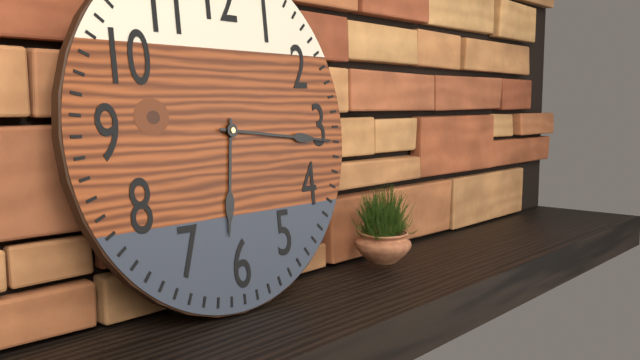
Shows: {"hour": 6, "minute": 16}
